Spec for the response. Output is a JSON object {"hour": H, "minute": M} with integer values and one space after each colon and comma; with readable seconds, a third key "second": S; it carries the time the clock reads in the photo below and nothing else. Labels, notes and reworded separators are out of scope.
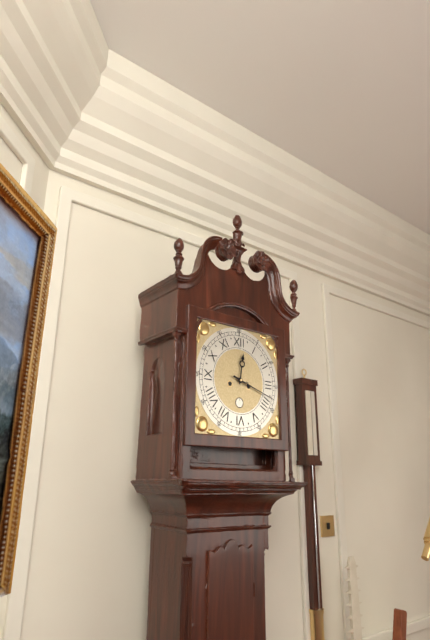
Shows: {"hour": 12, "minute": 18}
